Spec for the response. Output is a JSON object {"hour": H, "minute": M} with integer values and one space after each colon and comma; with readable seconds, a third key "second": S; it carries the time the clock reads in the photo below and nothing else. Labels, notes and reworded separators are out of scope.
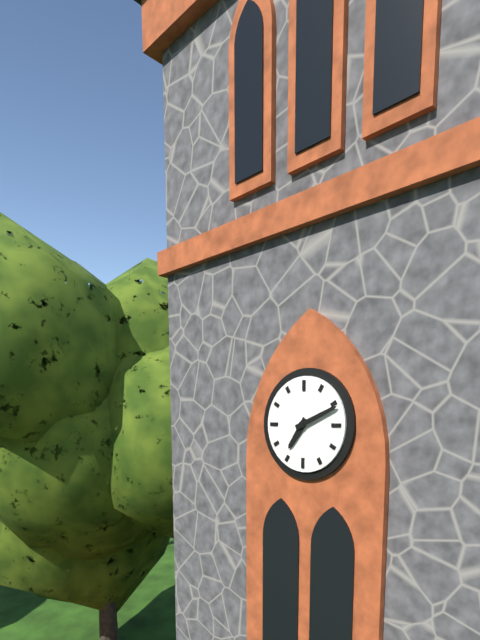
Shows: {"hour": 7, "minute": 11}
